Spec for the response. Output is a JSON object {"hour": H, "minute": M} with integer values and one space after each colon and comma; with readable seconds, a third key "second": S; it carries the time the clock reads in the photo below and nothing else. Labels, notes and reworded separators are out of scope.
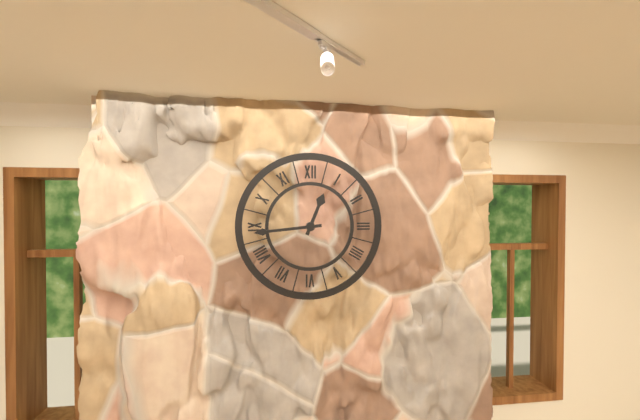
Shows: {"hour": 12, "minute": 44}
